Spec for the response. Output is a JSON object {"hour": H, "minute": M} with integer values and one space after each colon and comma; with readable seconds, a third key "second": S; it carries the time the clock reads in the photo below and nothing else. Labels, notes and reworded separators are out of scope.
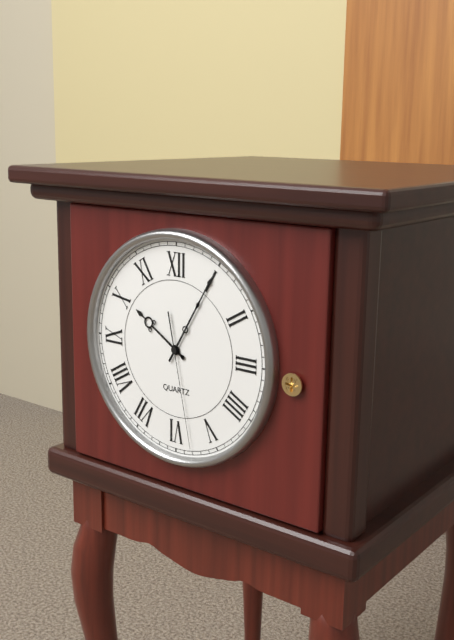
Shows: {"hour": 10, "minute": 5, "second": 28}
